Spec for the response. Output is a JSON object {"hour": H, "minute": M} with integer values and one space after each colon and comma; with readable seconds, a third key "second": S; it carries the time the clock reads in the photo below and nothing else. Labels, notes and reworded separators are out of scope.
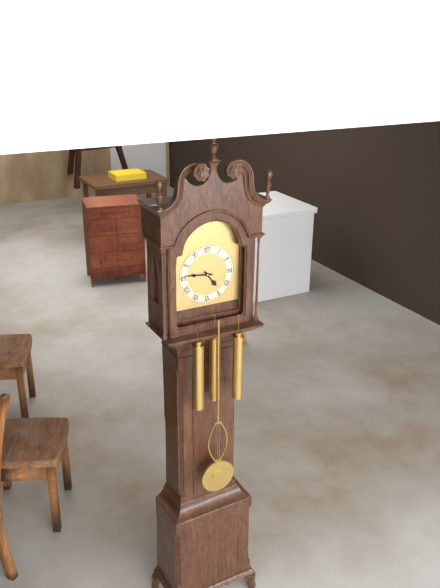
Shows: {"hour": 4, "minute": 46}
